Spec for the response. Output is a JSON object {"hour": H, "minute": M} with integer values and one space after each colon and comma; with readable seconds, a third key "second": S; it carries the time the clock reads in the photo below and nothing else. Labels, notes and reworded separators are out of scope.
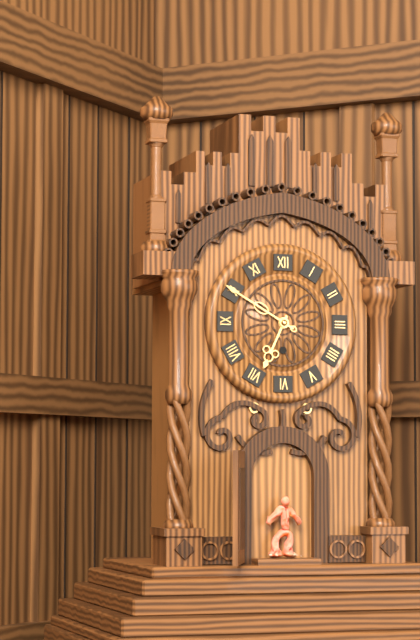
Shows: {"hour": 6, "minute": 50}
